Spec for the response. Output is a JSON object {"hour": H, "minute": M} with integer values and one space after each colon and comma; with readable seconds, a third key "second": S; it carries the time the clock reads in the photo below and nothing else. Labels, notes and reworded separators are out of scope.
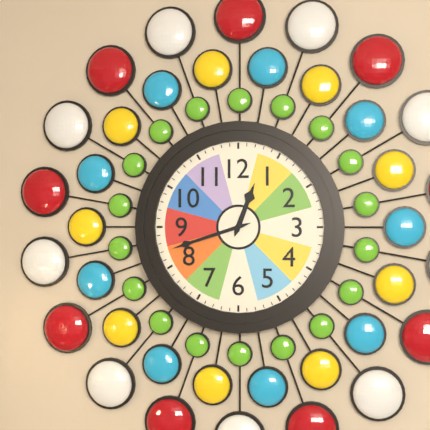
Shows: {"hour": 12, "minute": 42}
